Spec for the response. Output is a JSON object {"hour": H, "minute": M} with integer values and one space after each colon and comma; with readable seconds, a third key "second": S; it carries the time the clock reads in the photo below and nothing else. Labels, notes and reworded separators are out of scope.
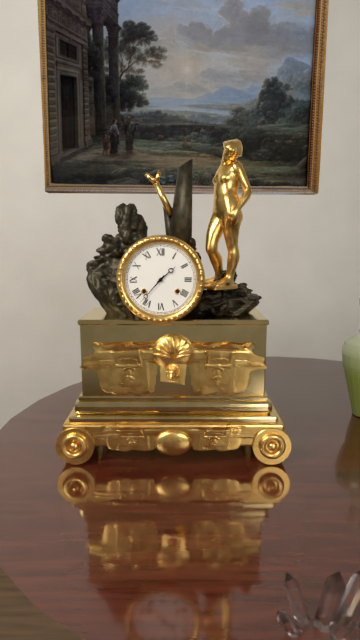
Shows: {"hour": 1, "minute": 37}
